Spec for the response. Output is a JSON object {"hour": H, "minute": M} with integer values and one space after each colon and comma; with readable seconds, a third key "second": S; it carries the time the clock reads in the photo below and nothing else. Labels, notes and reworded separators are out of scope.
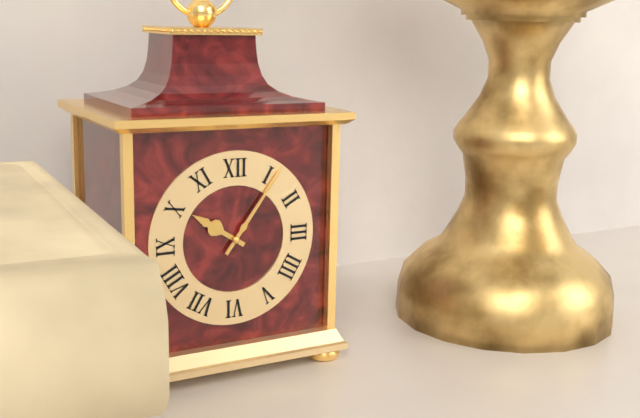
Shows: {"hour": 10, "minute": 6}
